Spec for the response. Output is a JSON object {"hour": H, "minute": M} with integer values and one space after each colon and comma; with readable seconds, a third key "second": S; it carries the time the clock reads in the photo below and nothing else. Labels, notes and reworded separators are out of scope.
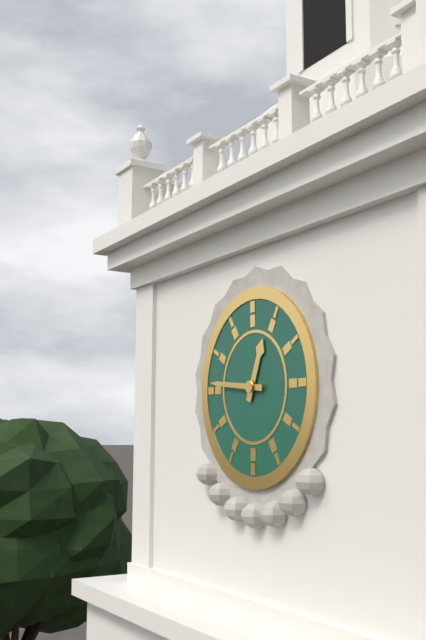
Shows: {"hour": 12, "minute": 46}
